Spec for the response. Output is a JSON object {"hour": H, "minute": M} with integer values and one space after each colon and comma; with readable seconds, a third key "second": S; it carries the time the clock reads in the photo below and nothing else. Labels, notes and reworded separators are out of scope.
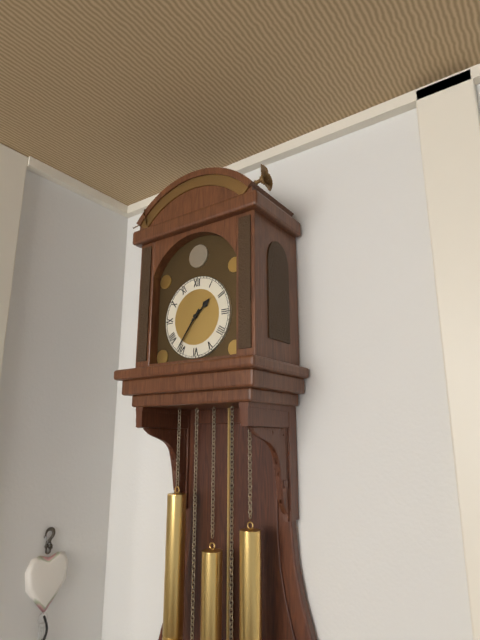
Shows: {"hour": 1, "minute": 36}
